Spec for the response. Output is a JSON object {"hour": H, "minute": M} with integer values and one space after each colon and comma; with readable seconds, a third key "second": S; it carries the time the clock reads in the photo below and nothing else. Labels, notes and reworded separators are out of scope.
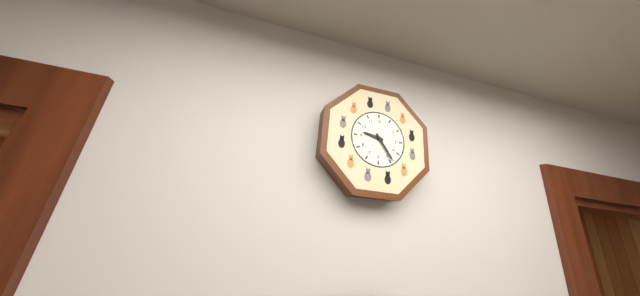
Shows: {"hour": 9, "minute": 24}
